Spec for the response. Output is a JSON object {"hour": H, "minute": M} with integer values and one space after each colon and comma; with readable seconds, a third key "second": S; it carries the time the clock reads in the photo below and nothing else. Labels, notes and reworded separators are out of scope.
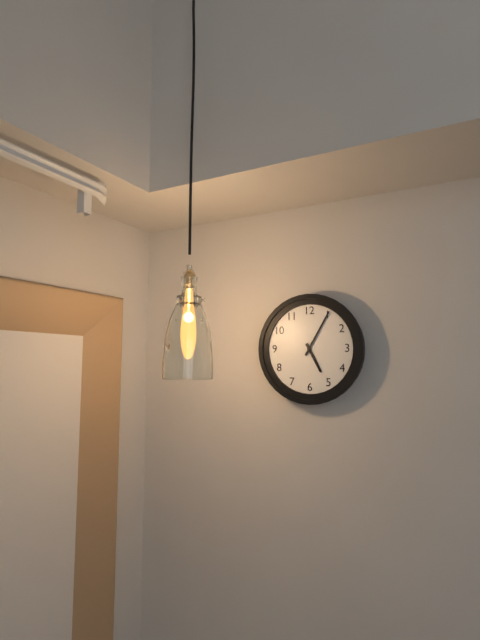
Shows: {"hour": 5, "minute": 5}
